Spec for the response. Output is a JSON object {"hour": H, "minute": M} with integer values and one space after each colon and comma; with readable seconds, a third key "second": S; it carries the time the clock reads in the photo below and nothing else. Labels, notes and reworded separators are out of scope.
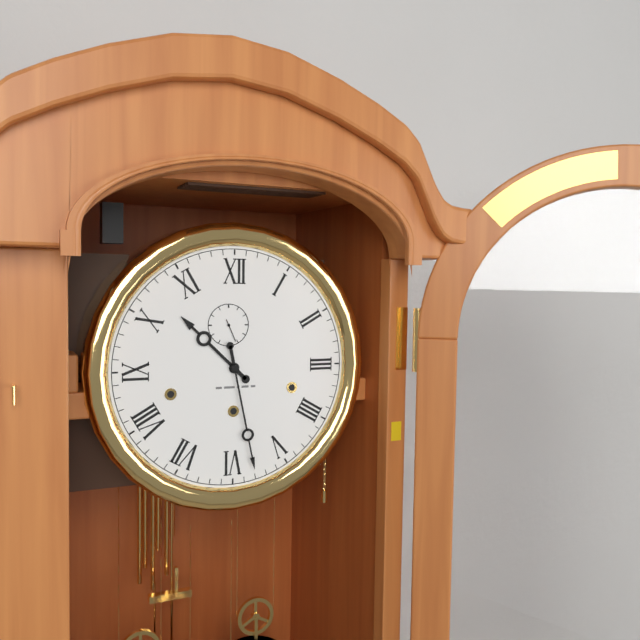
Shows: {"hour": 10, "minute": 28}
